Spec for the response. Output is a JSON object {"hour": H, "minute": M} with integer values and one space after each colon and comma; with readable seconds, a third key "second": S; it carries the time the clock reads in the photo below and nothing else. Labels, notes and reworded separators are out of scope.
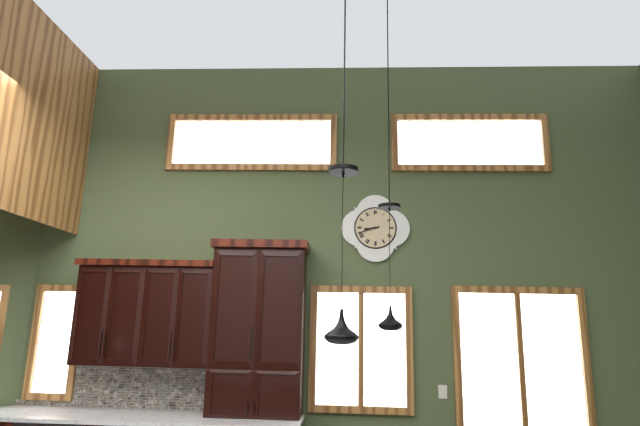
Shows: {"hour": 8, "minute": 42}
